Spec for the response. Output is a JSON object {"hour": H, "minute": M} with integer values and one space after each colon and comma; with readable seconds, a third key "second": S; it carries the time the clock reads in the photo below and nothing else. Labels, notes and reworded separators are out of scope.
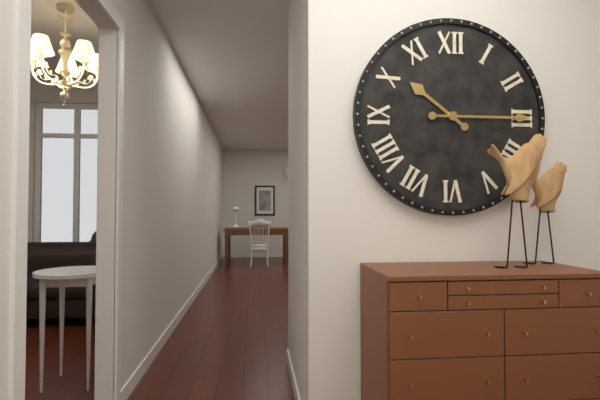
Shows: {"hour": 10, "minute": 15}
